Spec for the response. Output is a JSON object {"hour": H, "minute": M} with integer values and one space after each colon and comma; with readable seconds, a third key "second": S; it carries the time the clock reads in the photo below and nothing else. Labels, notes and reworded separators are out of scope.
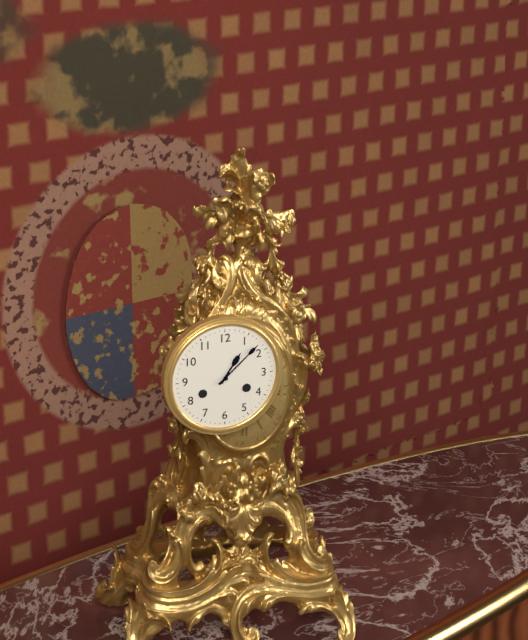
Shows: {"hour": 1, "minute": 8}
